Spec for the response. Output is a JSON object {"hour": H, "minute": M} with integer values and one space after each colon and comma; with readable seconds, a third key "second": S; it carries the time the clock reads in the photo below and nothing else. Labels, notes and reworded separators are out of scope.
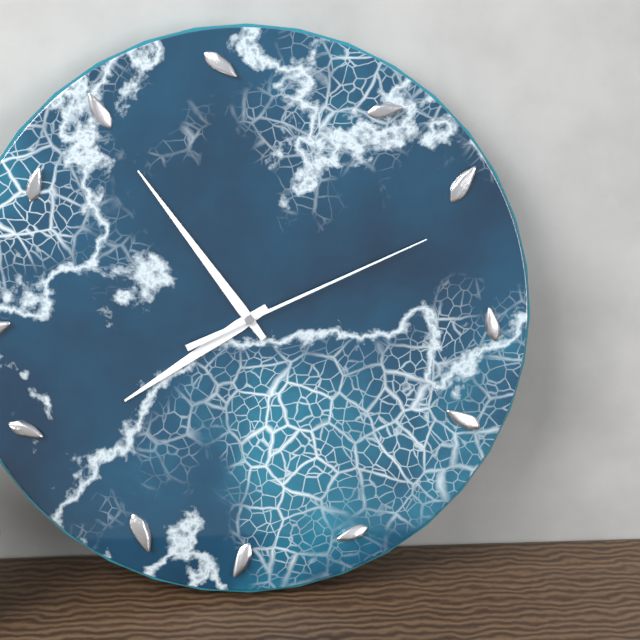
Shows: {"hour": 7, "minute": 54, "second": 11}
